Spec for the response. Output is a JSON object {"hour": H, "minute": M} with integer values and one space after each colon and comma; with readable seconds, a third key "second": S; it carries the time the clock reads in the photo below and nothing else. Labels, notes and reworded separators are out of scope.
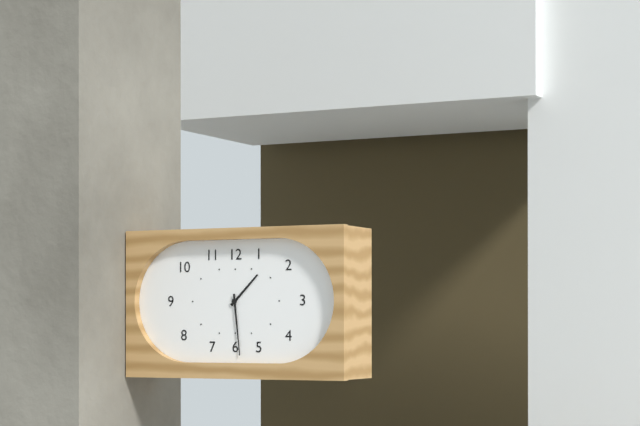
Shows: {"hour": 1, "minute": 29}
